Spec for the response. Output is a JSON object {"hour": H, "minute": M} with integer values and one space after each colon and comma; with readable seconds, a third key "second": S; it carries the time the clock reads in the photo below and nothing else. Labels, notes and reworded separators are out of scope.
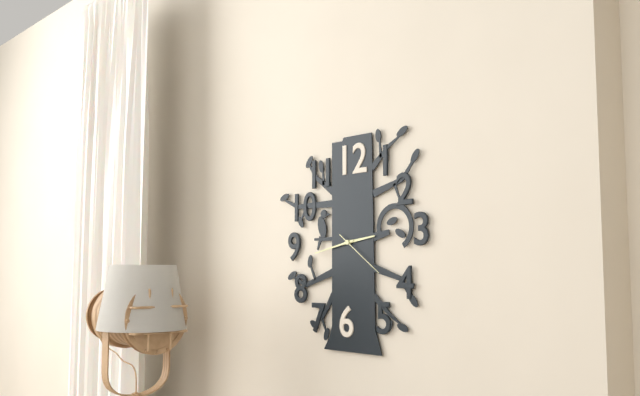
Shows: {"hour": 2, "minute": 43, "second": 21}
